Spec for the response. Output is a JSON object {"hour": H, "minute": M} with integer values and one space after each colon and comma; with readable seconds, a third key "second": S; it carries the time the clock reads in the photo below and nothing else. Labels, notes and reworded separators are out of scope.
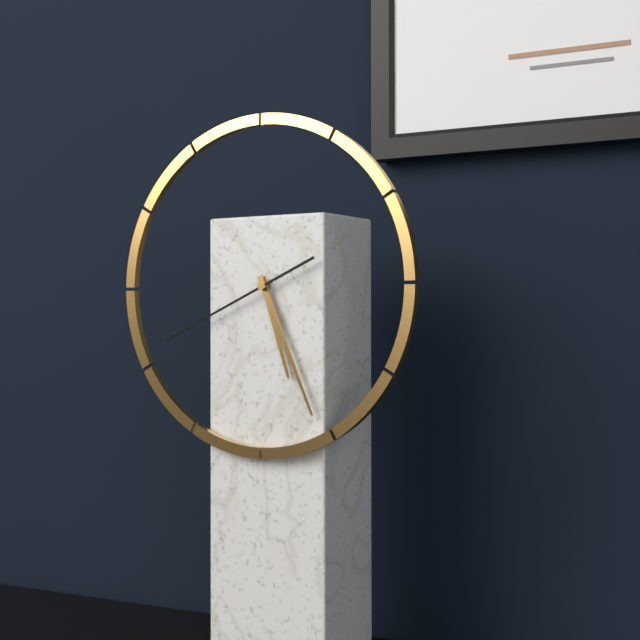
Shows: {"hour": 5, "minute": 26, "second": 41}
